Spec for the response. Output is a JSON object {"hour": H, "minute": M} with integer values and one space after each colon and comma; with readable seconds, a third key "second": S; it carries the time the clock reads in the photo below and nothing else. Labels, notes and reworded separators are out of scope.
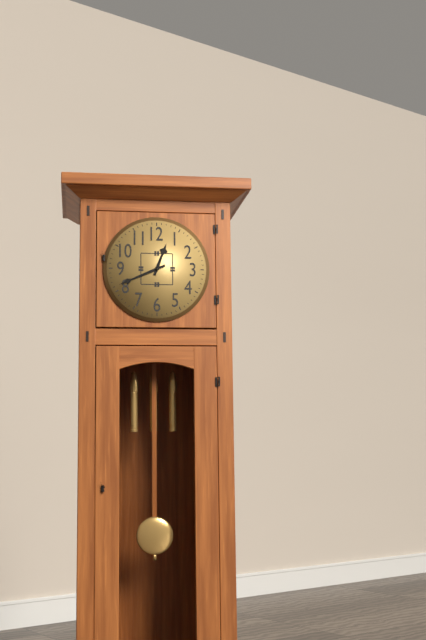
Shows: {"hour": 12, "minute": 41}
